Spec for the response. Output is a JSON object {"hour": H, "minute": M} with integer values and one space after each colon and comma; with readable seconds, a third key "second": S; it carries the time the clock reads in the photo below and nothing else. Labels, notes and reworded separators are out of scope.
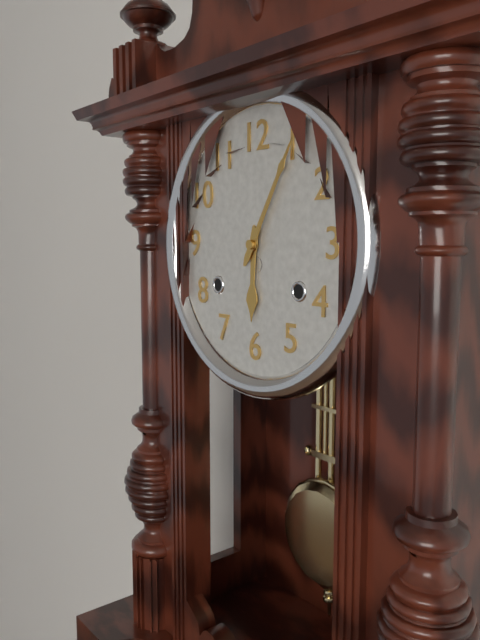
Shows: {"hour": 6, "minute": 5}
